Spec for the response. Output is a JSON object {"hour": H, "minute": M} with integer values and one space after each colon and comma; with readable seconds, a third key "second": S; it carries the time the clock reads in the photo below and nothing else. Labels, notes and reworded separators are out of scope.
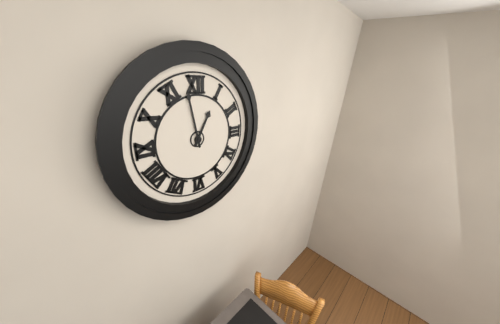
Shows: {"hour": 12, "minute": 58}
